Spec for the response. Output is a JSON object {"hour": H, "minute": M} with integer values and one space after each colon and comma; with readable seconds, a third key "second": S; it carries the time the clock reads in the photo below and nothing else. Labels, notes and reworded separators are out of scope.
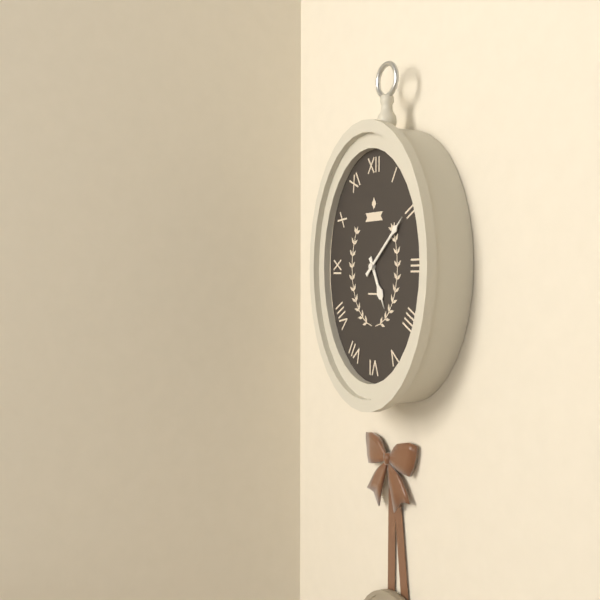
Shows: {"hour": 5, "minute": 8}
